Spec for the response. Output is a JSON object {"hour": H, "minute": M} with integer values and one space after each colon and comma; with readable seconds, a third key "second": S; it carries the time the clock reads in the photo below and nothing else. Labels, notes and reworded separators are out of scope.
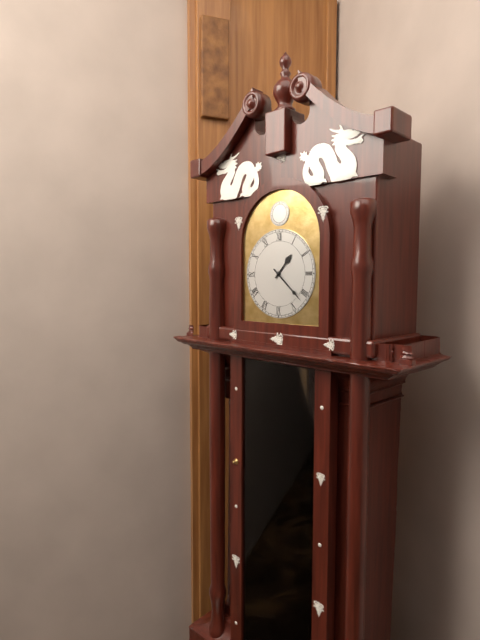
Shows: {"hour": 1, "minute": 22}
